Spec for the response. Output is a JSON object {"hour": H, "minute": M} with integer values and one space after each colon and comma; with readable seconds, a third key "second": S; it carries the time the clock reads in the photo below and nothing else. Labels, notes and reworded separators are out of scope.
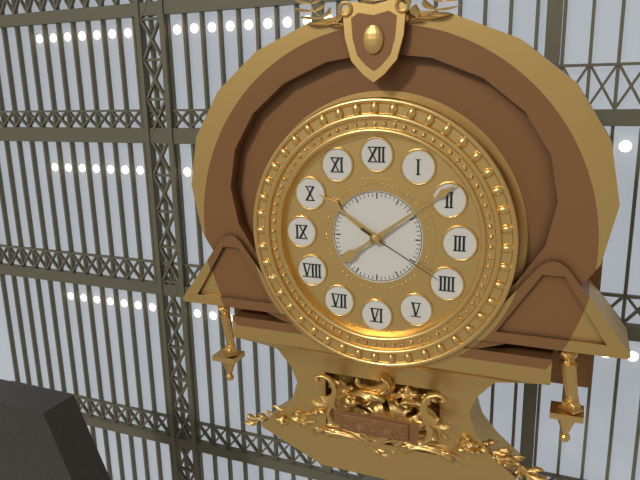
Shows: {"hour": 10, "minute": 9, "second": 20}
